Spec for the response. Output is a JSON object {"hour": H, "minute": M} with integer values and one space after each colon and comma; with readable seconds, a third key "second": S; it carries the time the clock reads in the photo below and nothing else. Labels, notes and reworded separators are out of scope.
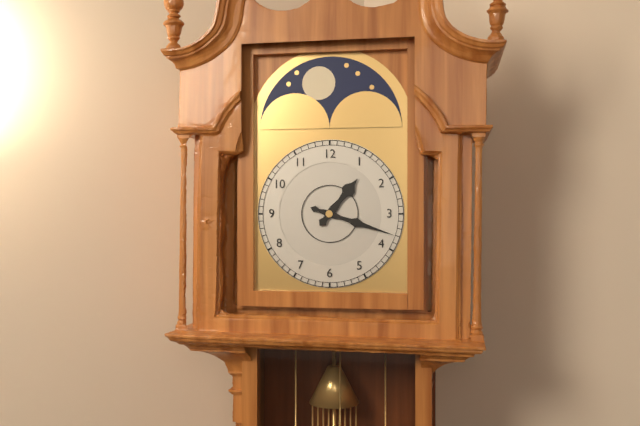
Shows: {"hour": 1, "minute": 18}
